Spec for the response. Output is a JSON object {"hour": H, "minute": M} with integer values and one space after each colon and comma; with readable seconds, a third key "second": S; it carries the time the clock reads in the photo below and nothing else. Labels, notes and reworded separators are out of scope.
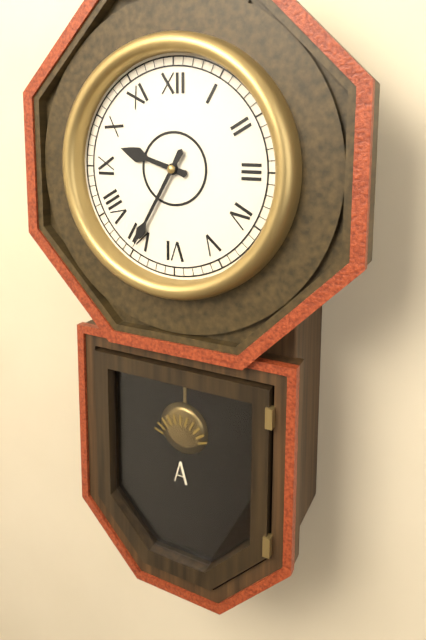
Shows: {"hour": 9, "minute": 35}
